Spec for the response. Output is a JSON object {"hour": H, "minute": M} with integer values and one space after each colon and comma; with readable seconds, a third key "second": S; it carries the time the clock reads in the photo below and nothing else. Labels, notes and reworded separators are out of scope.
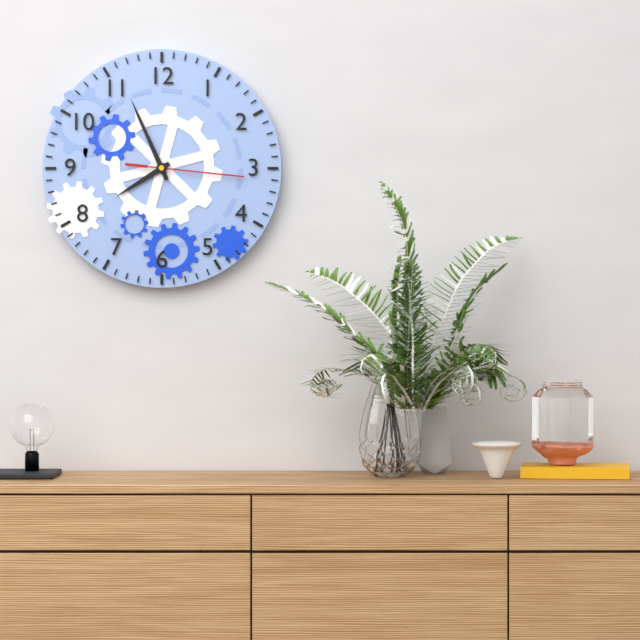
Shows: {"hour": 7, "minute": 56, "second": 16}
